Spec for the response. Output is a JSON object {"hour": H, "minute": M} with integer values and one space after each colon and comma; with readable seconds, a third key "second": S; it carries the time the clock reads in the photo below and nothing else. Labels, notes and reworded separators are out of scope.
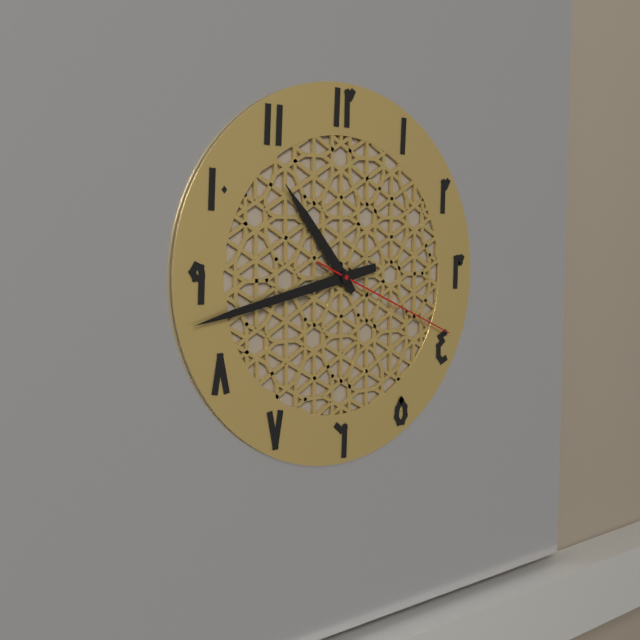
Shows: {"hour": 10, "minute": 43, "second": 19}
